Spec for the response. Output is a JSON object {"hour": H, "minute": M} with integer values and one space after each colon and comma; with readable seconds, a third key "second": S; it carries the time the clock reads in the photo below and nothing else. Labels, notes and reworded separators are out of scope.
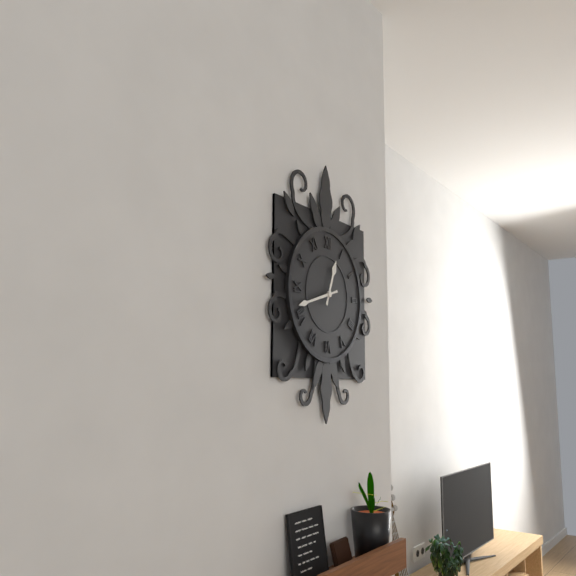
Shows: {"hour": 12, "minute": 42}
